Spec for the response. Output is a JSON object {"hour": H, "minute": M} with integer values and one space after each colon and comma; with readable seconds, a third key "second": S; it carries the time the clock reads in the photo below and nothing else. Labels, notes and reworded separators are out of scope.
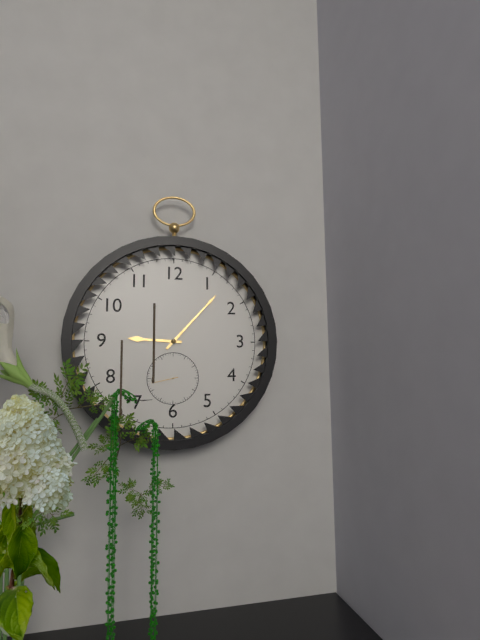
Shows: {"hour": 9, "minute": 7}
